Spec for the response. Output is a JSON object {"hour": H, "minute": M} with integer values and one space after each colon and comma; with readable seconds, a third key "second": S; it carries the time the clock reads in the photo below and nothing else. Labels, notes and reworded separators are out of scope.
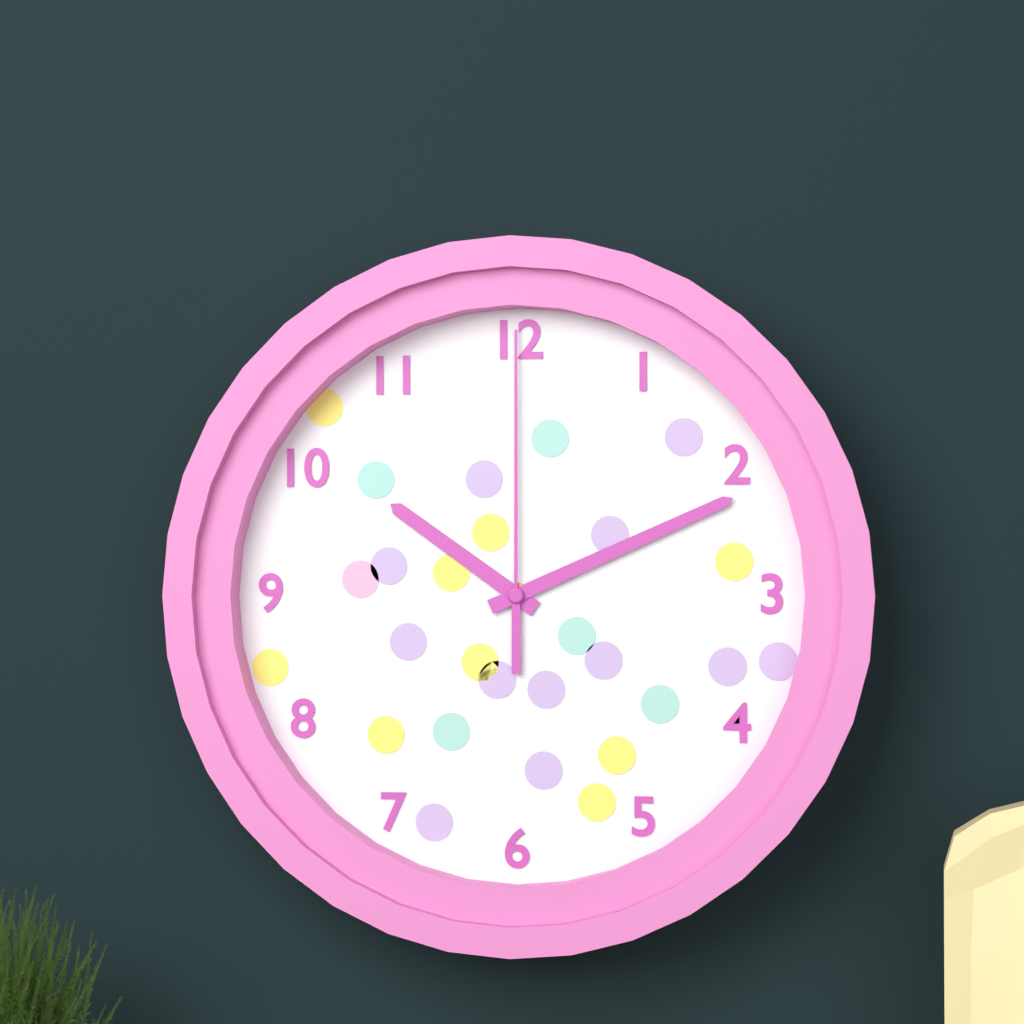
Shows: {"hour": 10, "minute": 11, "second": 0}
